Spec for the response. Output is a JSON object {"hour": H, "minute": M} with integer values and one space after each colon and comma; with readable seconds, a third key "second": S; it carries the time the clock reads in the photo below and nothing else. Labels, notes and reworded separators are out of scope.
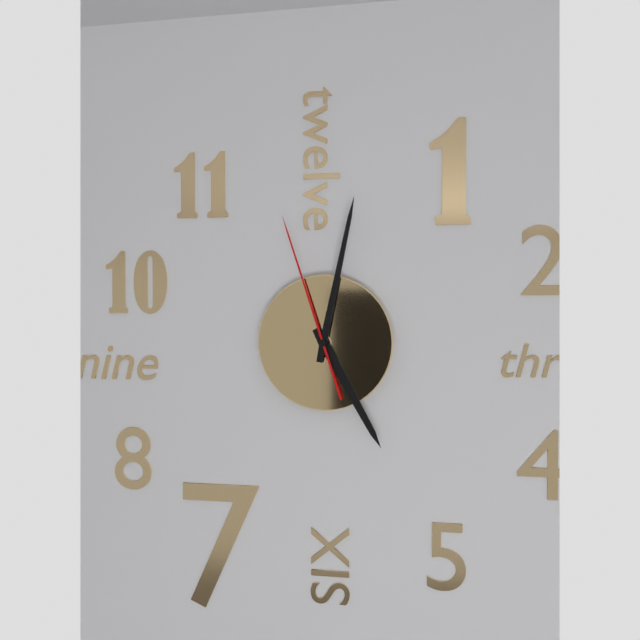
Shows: {"hour": 5, "minute": 2, "second": 57}
